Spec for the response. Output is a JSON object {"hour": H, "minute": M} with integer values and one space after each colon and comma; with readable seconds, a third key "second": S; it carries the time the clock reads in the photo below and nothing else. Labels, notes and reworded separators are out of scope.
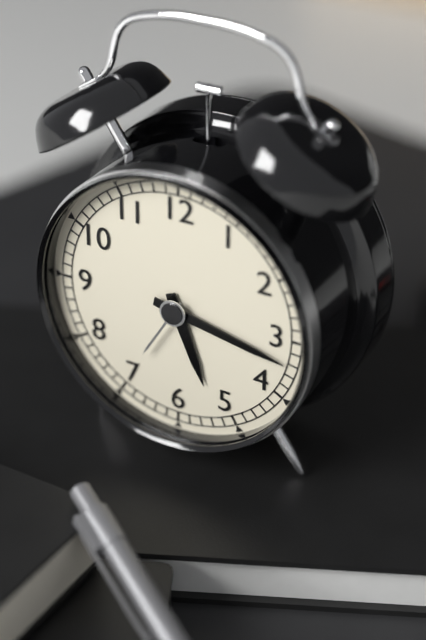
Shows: {"hour": 5, "minute": 17}
